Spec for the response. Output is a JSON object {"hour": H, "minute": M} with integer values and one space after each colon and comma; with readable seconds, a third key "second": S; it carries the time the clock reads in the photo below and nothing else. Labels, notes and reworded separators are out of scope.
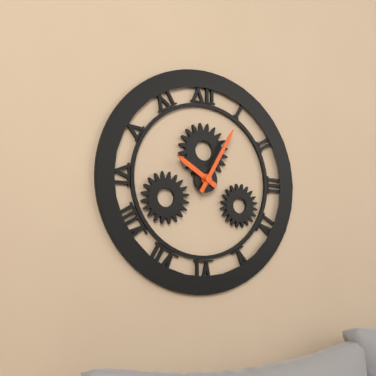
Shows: {"hour": 10, "minute": 5}
